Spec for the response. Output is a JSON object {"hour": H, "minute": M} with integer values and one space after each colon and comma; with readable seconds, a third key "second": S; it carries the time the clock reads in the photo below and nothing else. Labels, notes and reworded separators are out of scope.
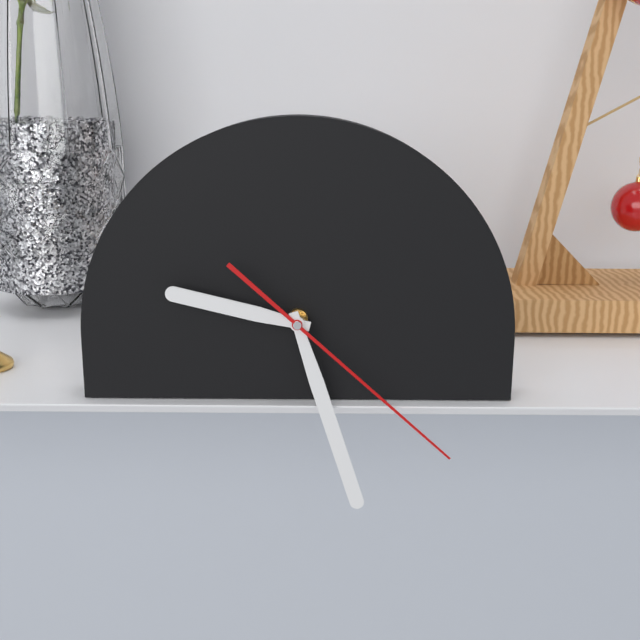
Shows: {"hour": 9, "minute": 27, "second": 22}
